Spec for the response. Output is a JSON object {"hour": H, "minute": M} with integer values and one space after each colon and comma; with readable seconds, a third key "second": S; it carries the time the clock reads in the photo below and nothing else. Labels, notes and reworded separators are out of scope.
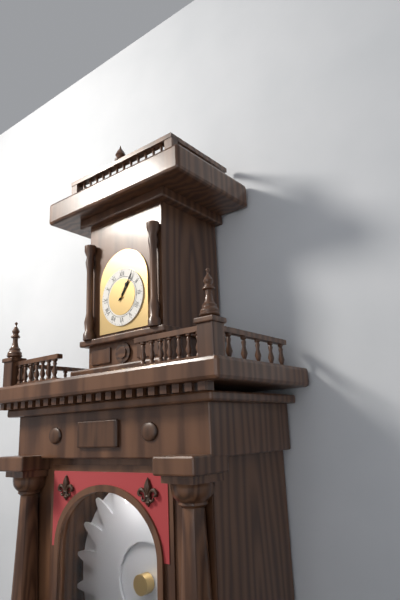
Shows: {"hour": 1, "minute": 6}
